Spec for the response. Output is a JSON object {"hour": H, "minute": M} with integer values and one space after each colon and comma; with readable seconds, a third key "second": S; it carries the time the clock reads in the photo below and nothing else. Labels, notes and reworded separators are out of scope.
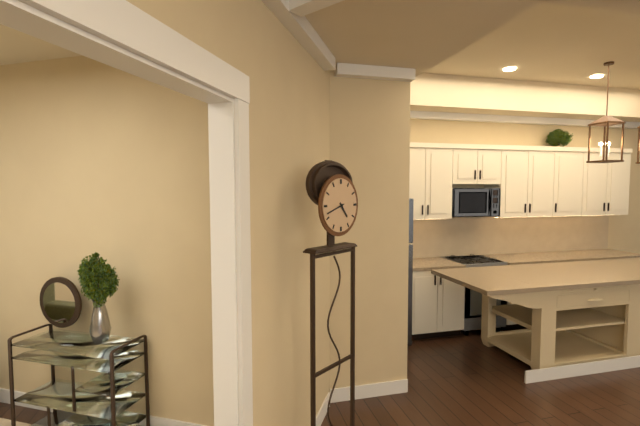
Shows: {"hour": 4, "minute": 42}
